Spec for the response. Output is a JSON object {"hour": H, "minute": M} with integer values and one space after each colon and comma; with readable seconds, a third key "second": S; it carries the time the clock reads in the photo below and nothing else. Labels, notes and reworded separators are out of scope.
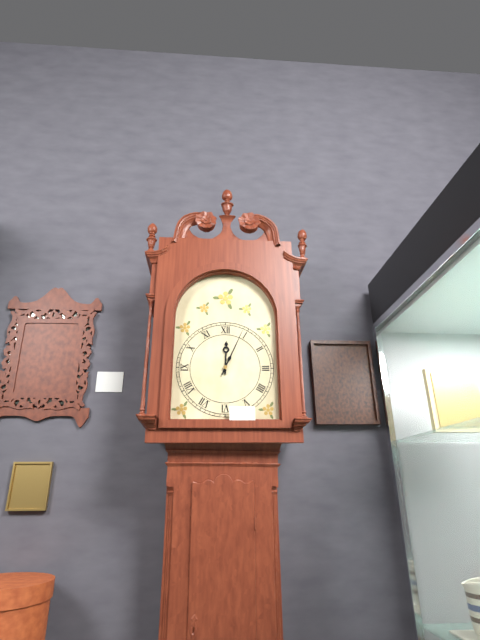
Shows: {"hour": 12, "minute": 4}
